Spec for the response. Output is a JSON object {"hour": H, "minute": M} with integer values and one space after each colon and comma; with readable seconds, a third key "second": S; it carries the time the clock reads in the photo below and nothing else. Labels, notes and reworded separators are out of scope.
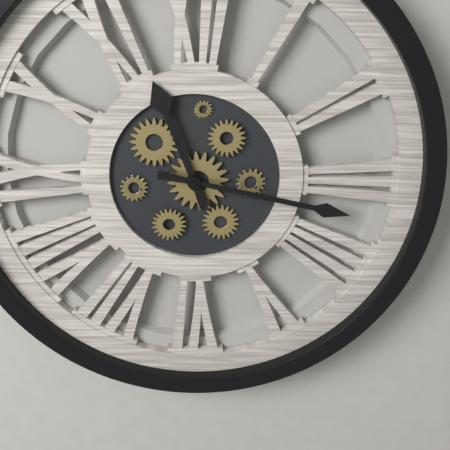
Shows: {"hour": 11, "minute": 17}
